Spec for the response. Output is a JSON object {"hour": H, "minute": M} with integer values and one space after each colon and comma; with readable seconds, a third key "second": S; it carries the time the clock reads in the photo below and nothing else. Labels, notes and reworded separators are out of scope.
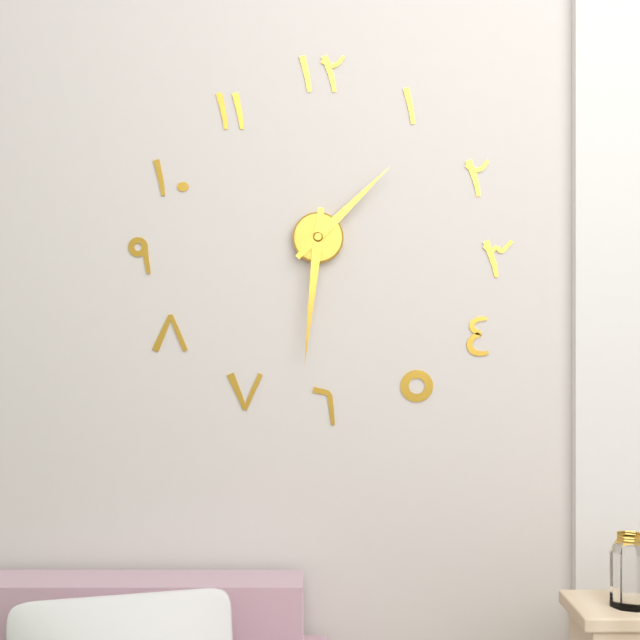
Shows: {"hour": 1, "minute": 31}
